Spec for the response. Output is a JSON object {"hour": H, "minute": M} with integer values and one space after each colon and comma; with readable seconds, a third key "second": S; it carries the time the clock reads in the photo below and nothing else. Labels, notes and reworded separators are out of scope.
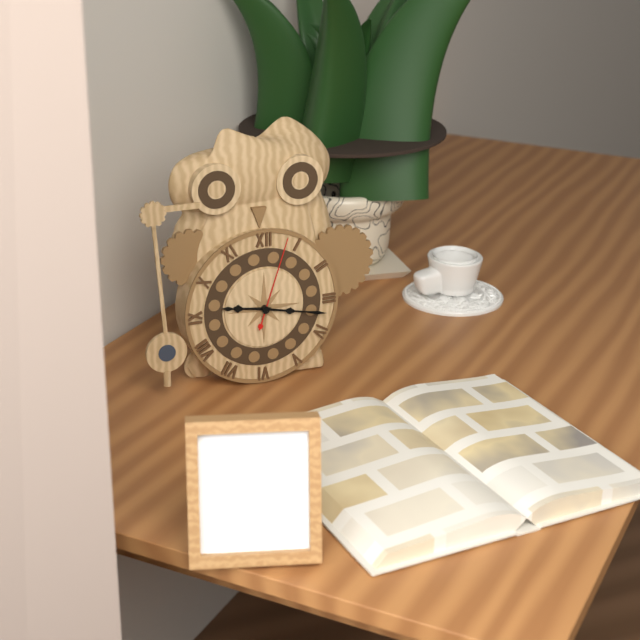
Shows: {"hour": 9, "minute": 17, "second": 3}
